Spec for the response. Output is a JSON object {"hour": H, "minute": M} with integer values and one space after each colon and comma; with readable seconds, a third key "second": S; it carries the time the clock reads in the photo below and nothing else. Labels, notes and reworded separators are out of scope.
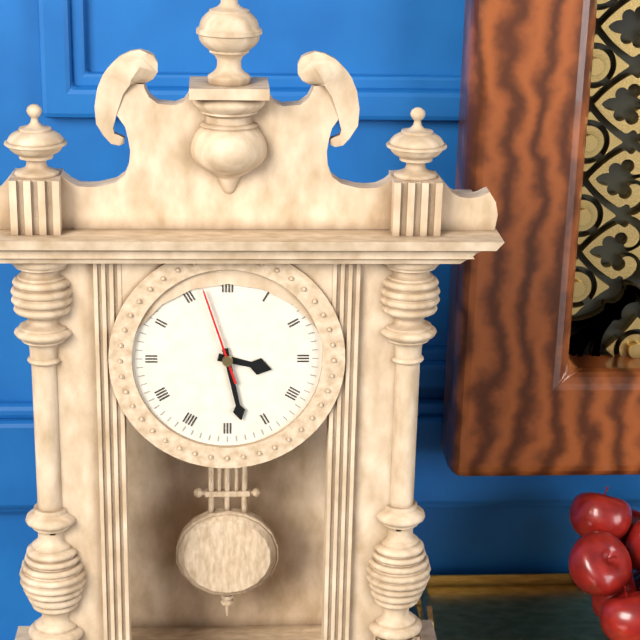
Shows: {"hour": 3, "minute": 28, "second": 57}
